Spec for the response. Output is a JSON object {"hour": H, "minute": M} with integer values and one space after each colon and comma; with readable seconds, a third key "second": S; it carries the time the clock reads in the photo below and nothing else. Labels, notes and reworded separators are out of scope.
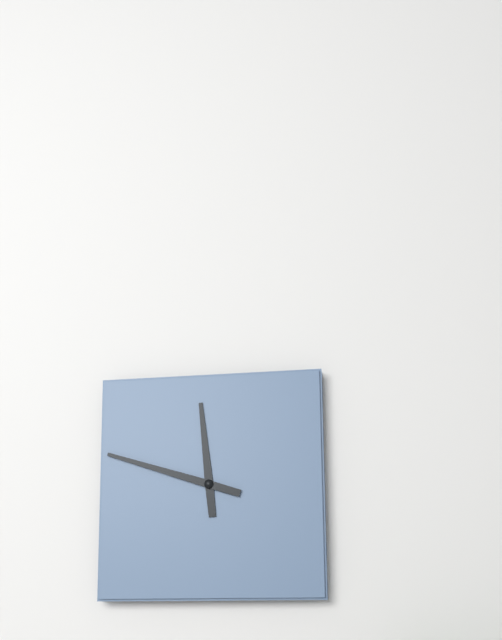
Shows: {"hour": 11, "minute": 48}
